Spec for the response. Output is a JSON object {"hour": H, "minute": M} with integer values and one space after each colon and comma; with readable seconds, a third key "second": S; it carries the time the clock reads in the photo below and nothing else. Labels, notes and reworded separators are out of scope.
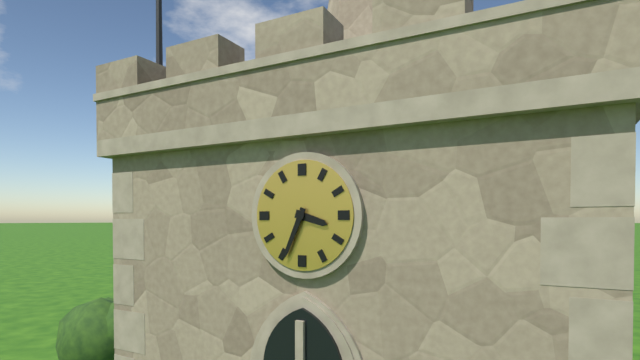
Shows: {"hour": 3, "minute": 34}
